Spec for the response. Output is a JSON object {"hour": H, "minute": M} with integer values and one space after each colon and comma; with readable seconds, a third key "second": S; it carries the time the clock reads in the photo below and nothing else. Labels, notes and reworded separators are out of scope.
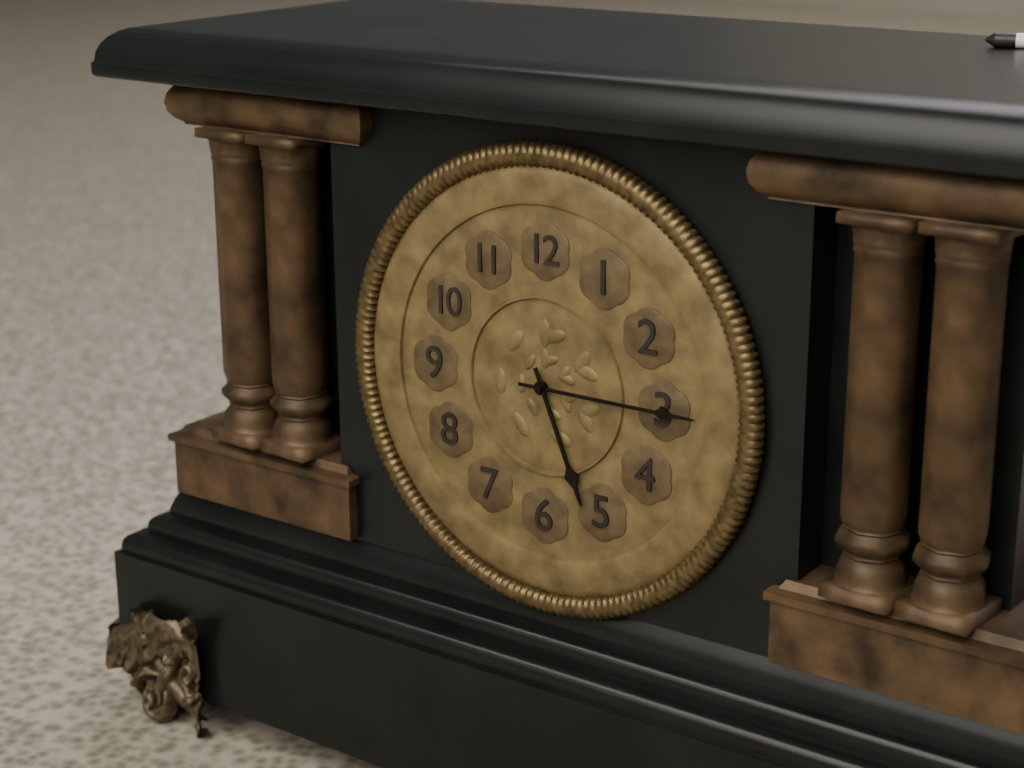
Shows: {"hour": 5, "minute": 15}
